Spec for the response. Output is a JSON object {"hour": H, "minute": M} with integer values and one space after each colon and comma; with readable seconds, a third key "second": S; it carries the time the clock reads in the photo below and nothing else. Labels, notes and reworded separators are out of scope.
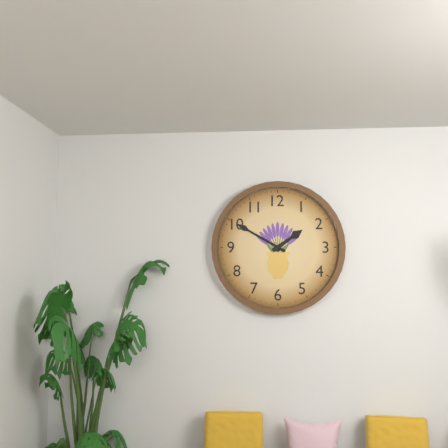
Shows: {"hour": 1, "minute": 50}
